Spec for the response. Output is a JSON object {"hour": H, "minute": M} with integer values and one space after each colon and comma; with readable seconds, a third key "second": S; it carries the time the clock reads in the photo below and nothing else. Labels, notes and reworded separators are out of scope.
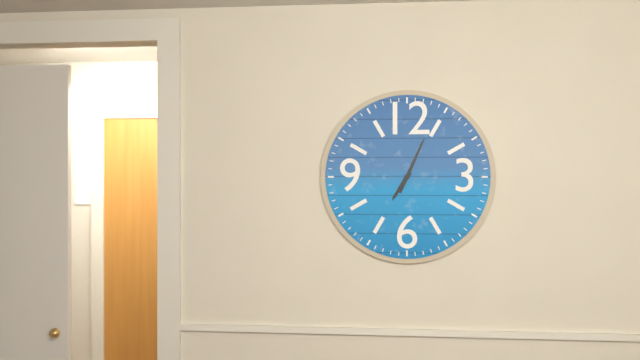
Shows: {"hour": 7, "minute": 4}
